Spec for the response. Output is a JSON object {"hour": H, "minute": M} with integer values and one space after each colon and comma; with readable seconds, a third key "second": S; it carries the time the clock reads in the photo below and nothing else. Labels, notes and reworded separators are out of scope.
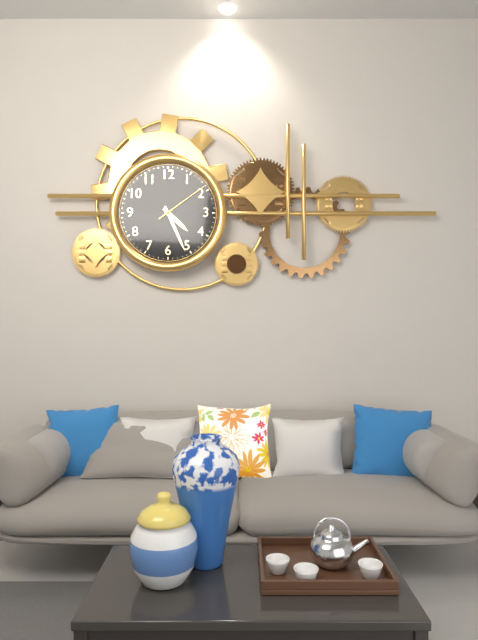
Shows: {"hour": 4, "minute": 26, "second": 9}
